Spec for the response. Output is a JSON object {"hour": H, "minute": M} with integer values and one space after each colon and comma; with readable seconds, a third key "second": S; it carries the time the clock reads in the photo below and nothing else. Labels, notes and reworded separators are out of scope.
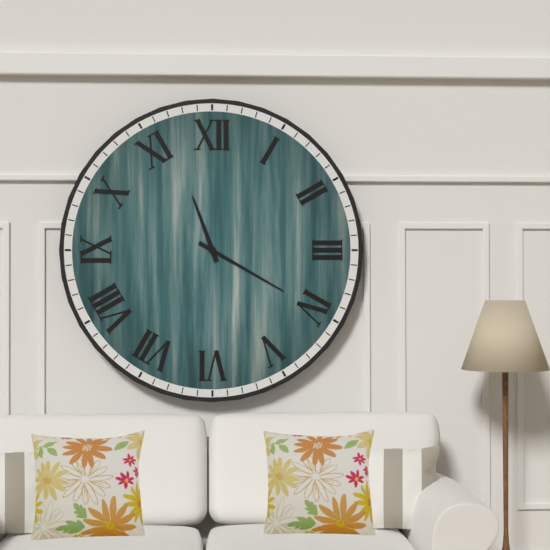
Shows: {"hour": 11, "minute": 20}
